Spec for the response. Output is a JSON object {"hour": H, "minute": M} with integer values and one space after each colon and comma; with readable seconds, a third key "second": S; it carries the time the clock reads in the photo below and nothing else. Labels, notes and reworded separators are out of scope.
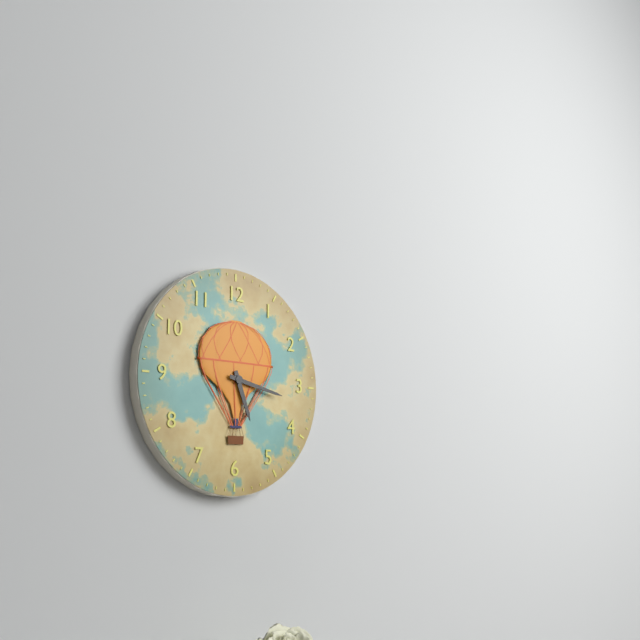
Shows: {"hour": 5, "minute": 17}
